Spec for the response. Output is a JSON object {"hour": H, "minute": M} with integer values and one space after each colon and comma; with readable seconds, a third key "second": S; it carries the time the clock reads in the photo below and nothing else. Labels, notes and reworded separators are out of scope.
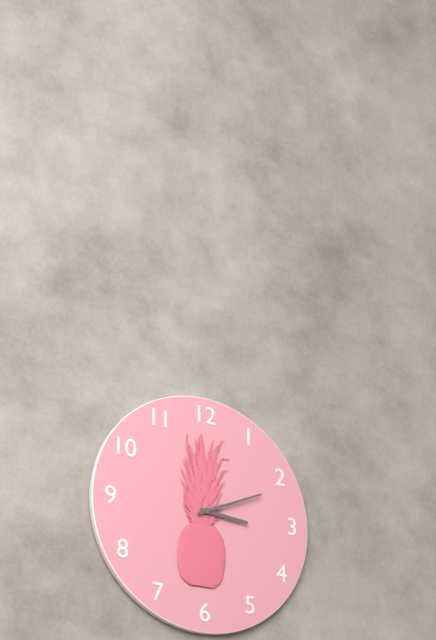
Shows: {"hour": 3, "minute": 11}
